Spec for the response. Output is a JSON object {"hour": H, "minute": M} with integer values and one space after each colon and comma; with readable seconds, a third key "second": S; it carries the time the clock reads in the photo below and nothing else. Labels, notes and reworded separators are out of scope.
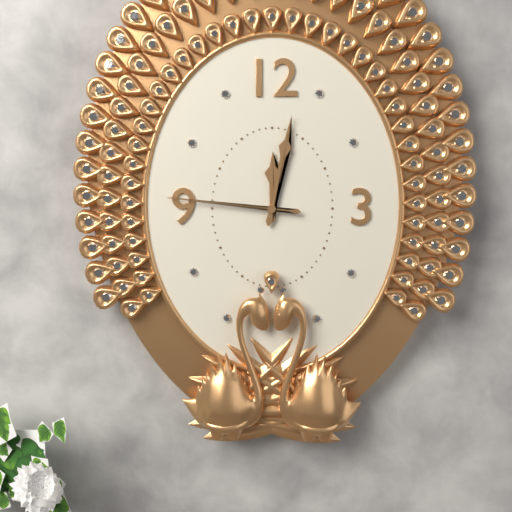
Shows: {"hour": 12, "minute": 2, "second": 46}
